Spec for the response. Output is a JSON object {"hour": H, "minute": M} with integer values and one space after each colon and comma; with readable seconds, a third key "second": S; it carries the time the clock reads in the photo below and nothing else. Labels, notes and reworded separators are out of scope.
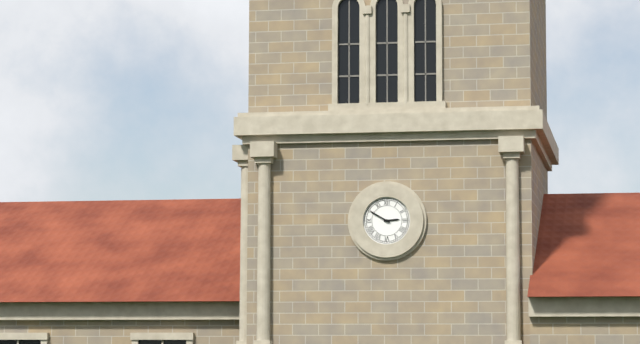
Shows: {"hour": 2, "minute": 50}
